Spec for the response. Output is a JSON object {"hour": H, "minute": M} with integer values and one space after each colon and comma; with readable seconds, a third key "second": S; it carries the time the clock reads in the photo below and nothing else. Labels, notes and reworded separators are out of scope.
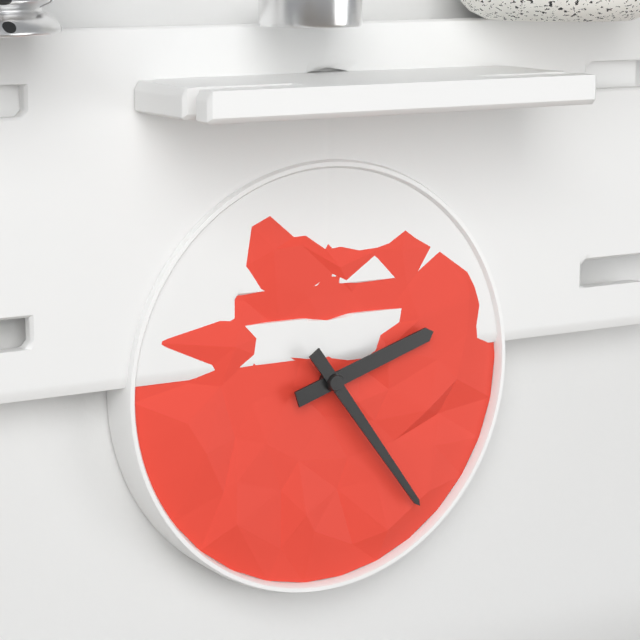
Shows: {"hour": 2, "minute": 24}
